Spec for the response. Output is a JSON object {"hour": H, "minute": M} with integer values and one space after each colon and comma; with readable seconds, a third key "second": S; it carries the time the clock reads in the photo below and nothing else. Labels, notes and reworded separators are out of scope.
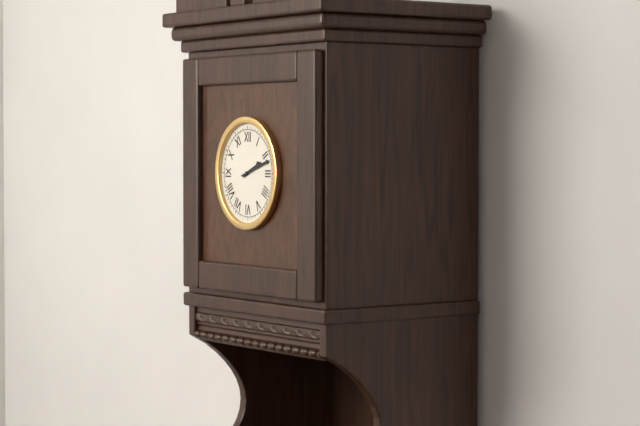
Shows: {"hour": 2, "minute": 12}
